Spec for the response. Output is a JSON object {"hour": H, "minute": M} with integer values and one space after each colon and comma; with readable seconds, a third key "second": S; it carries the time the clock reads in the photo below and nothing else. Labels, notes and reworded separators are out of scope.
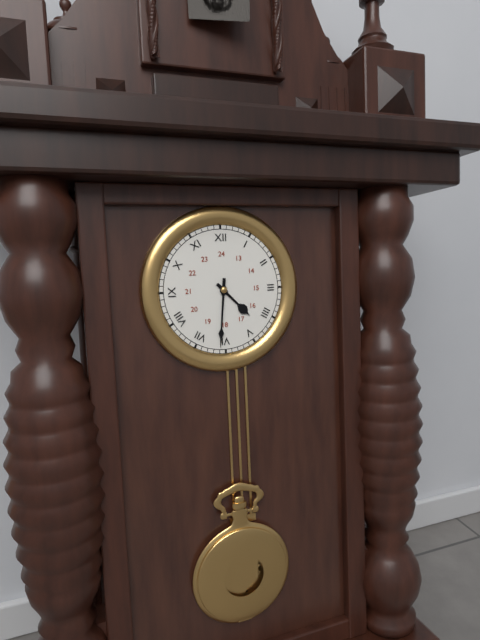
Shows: {"hour": 4, "minute": 31}
